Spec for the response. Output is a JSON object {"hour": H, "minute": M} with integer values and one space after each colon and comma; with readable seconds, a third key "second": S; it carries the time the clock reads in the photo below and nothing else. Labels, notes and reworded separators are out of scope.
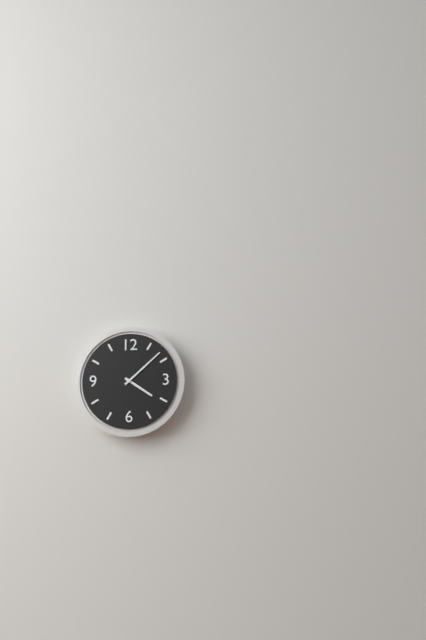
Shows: {"hour": 4, "minute": 8}
